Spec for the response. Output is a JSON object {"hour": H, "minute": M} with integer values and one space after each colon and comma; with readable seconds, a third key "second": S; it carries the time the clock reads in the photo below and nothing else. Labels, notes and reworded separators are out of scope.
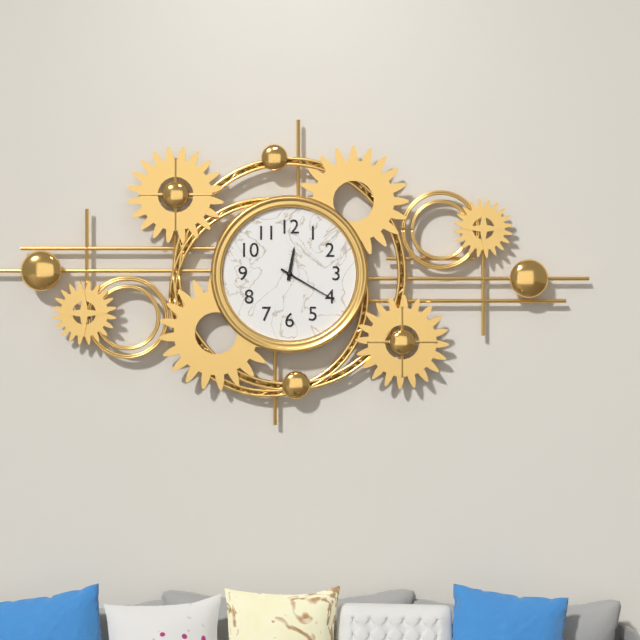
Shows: {"hour": 12, "minute": 20}
